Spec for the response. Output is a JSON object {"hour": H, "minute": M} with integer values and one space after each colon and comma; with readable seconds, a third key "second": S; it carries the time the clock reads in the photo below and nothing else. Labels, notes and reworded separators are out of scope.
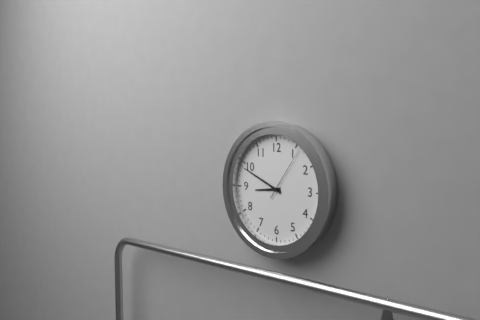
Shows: {"hour": 8, "minute": 49, "second": 6}
